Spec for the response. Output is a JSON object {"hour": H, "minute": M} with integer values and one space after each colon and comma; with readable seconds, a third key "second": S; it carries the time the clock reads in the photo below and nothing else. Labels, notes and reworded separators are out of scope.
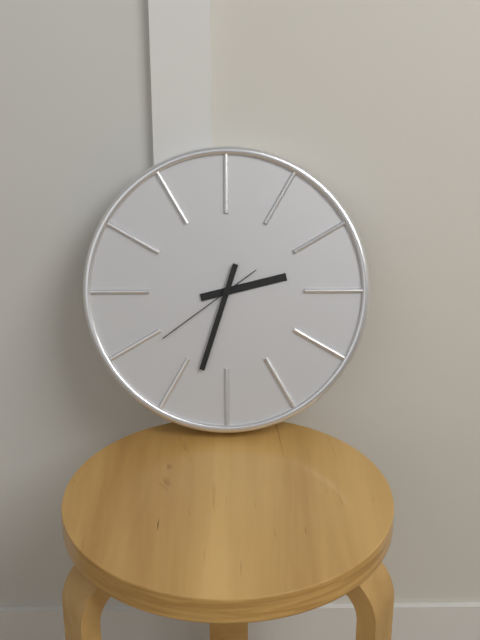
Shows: {"hour": 2, "minute": 33, "second": 39}
